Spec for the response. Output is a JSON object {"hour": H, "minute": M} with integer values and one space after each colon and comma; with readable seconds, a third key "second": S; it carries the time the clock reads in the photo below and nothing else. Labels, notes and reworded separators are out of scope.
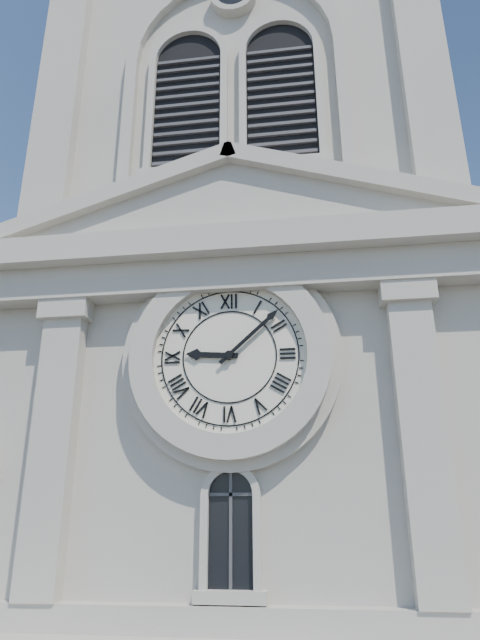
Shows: {"hour": 9, "minute": 8}
